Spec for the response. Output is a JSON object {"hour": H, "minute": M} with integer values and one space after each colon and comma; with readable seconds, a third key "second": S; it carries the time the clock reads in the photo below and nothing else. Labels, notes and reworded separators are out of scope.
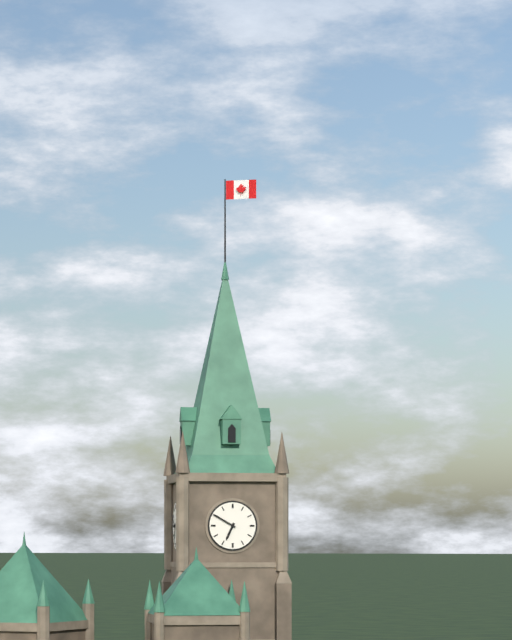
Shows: {"hour": 6, "minute": 50}
